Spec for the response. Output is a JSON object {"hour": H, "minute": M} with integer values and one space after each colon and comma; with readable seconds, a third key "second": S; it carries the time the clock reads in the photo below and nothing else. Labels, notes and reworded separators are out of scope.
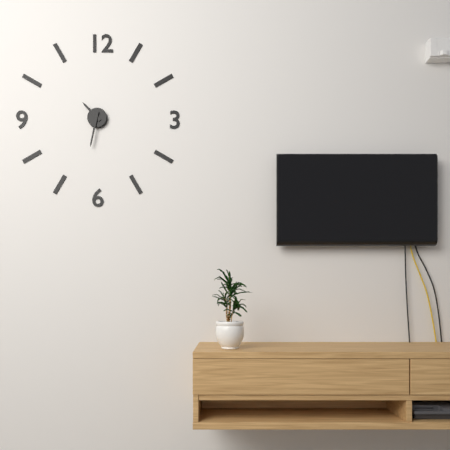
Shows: {"hour": 10, "minute": 32}
